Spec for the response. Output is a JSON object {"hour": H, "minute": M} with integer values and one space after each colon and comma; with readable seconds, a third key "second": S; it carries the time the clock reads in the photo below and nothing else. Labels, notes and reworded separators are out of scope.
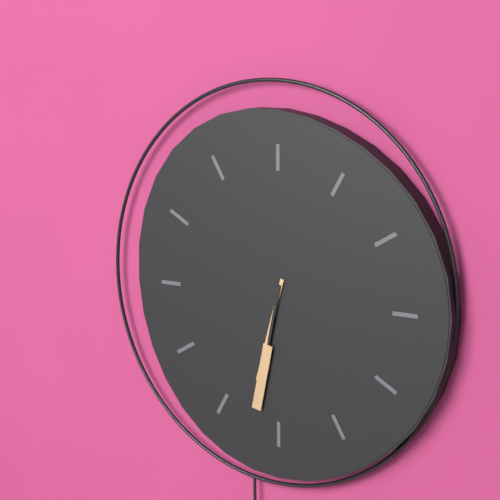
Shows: {"hour": 6, "minute": 32}
